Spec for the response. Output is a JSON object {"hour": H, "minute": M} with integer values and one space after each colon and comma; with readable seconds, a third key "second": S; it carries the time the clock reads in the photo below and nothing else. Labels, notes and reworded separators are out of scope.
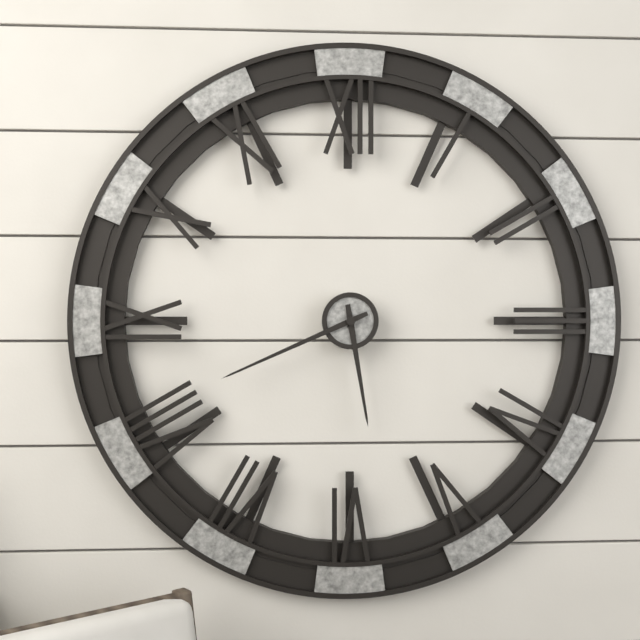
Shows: {"hour": 5, "minute": 41}
